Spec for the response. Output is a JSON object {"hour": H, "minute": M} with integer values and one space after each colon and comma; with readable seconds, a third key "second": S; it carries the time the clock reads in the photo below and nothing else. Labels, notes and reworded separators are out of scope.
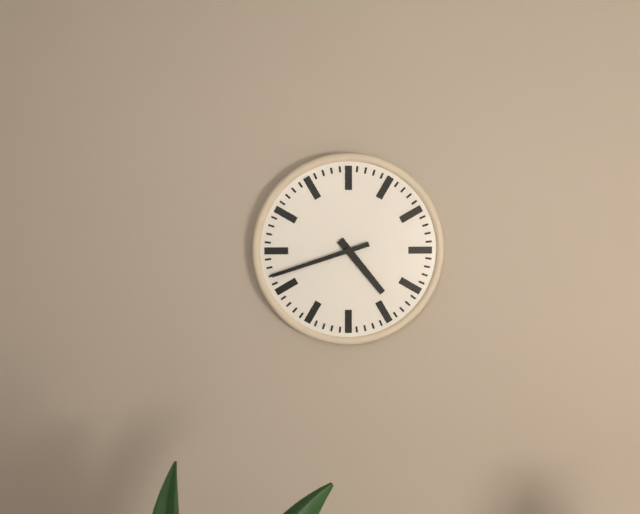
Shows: {"hour": 4, "minute": 42}
